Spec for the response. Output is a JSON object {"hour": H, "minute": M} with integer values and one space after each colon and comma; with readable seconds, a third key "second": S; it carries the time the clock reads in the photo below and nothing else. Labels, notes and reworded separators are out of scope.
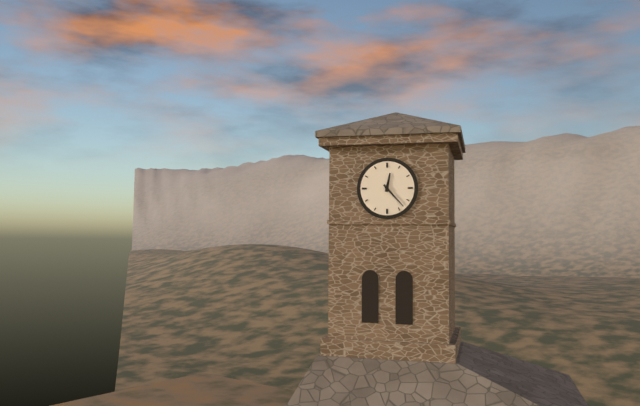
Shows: {"hour": 12, "minute": 23}
